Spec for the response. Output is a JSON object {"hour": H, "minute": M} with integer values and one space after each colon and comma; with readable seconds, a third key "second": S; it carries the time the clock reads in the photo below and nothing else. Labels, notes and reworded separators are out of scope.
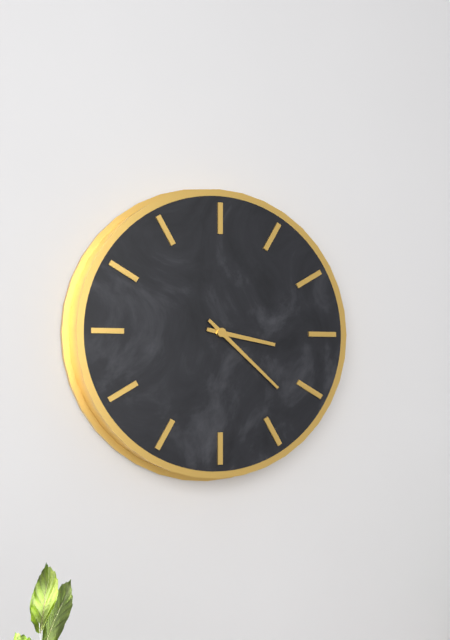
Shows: {"hour": 3, "minute": 22}
